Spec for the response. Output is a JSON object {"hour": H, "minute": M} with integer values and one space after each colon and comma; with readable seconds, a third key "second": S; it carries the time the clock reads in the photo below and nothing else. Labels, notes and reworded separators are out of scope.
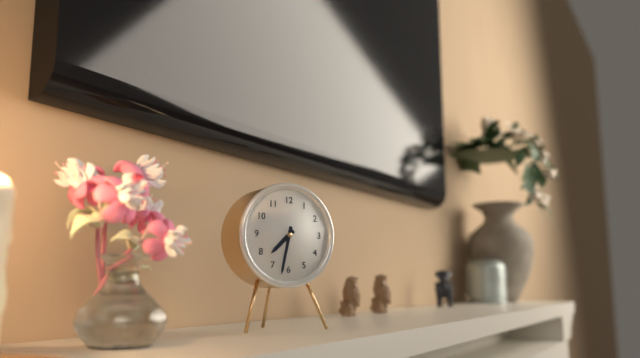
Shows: {"hour": 7, "minute": 32}
